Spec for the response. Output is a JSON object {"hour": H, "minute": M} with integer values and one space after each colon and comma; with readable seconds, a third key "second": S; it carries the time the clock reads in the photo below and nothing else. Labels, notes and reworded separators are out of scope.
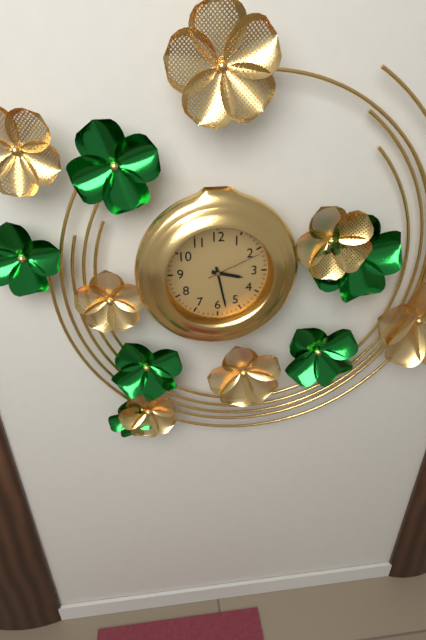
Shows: {"hour": 3, "minute": 28, "second": 11}
